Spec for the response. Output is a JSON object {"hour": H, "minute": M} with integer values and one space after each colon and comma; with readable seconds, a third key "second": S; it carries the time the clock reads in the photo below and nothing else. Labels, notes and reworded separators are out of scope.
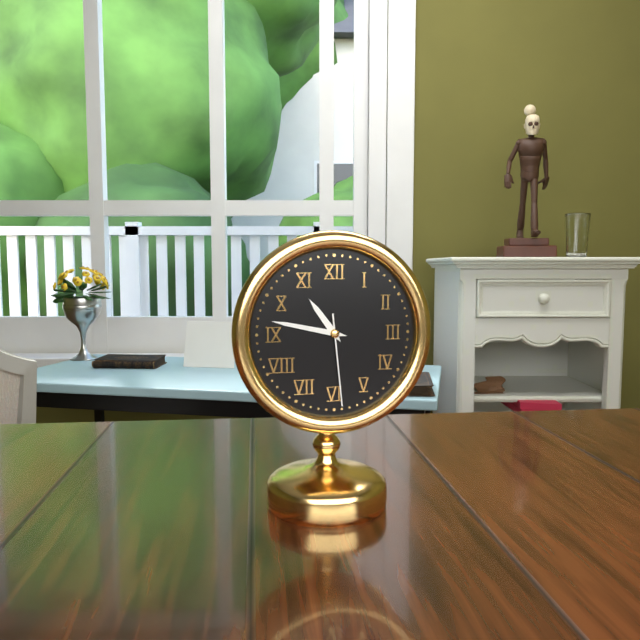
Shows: {"hour": 10, "minute": 47, "second": 29}
